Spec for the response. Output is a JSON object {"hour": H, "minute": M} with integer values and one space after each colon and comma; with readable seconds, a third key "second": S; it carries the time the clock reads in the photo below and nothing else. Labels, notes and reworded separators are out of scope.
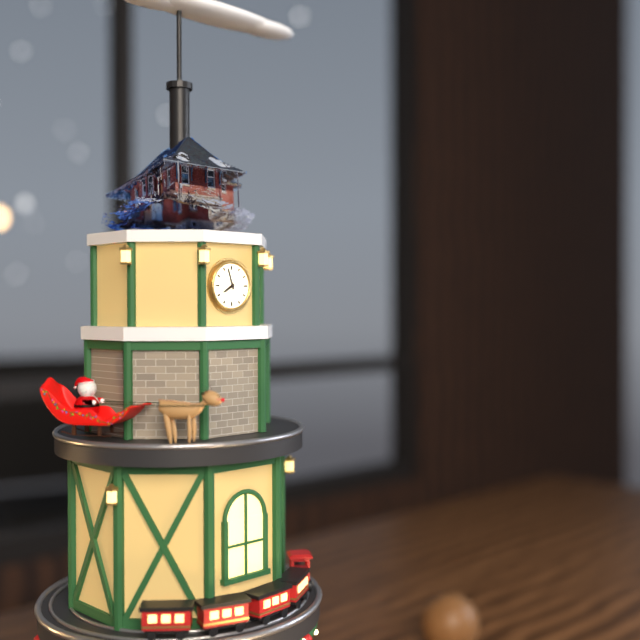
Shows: {"hour": 7, "minute": 57}
